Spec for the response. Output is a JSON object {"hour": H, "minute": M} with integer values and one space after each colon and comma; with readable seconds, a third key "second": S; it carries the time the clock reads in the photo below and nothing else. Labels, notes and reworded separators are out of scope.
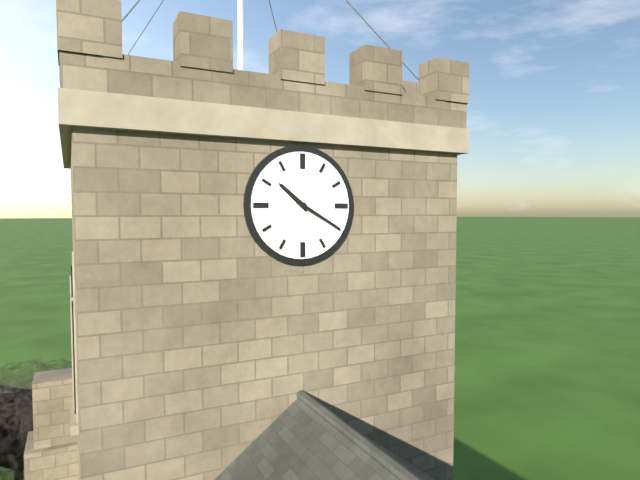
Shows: {"hour": 10, "minute": 20}
